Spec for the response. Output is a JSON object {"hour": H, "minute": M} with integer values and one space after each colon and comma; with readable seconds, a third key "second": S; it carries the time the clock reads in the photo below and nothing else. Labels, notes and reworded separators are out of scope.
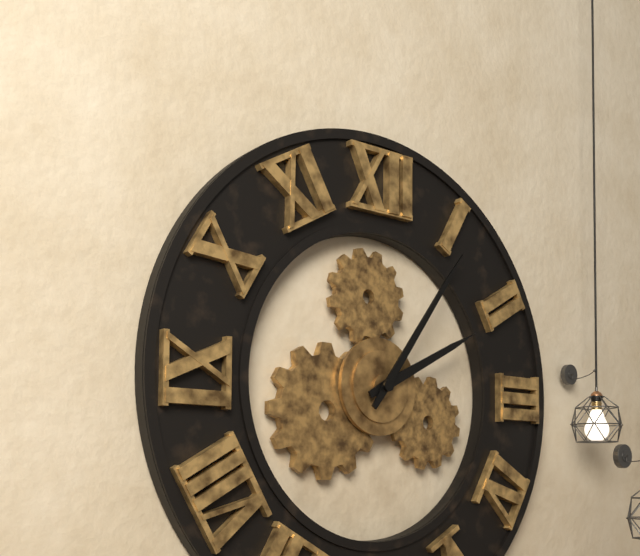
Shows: {"hour": 2, "minute": 6}
